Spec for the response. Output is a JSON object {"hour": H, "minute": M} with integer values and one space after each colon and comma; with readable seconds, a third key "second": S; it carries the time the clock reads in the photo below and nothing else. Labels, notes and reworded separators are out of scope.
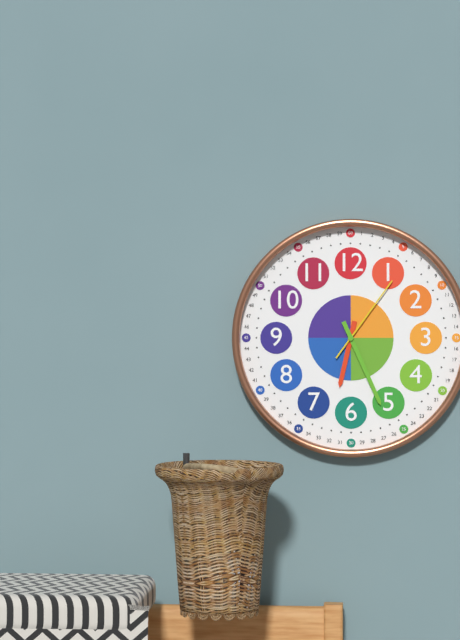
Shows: {"hour": 6, "minute": 26, "second": 6}
